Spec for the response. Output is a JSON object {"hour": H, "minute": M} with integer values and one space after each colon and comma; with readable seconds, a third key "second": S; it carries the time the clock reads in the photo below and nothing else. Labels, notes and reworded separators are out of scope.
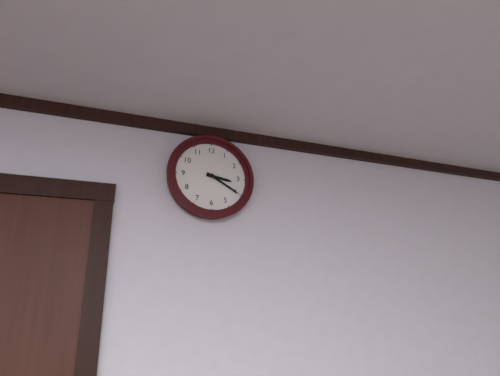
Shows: {"hour": 3, "minute": 20}
